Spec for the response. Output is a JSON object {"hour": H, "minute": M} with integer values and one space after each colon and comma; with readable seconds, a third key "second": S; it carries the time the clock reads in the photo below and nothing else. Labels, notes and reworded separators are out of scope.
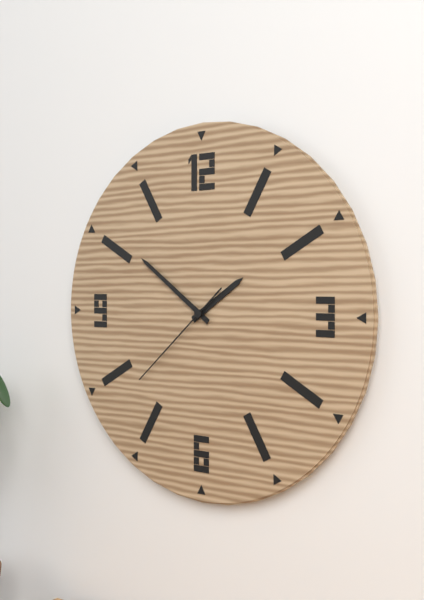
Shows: {"hour": 1, "minute": 51, "second": 38}
